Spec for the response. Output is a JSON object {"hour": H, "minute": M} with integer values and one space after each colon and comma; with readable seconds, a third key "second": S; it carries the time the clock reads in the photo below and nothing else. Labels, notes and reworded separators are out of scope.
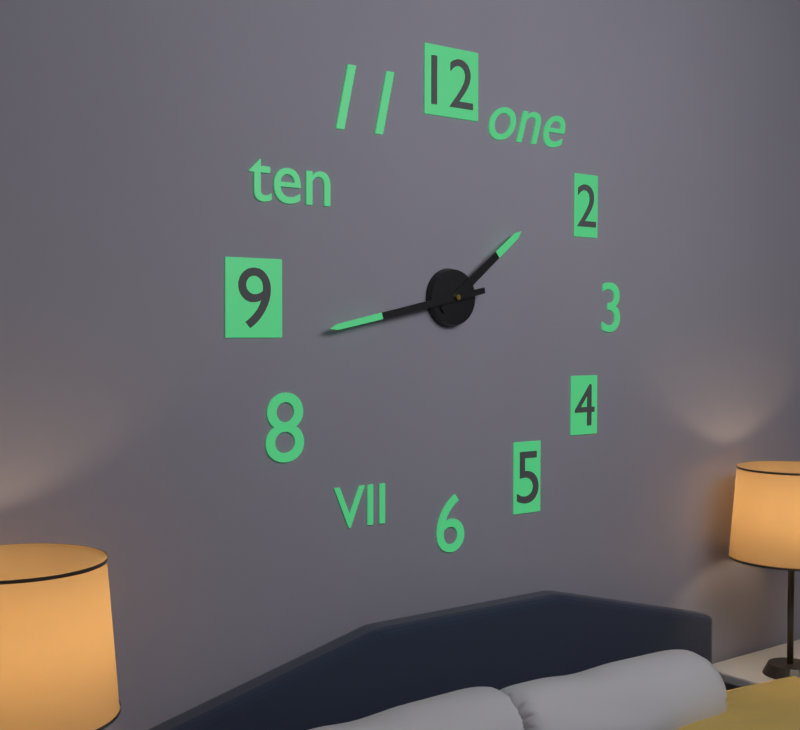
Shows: {"hour": 1, "minute": 43}
